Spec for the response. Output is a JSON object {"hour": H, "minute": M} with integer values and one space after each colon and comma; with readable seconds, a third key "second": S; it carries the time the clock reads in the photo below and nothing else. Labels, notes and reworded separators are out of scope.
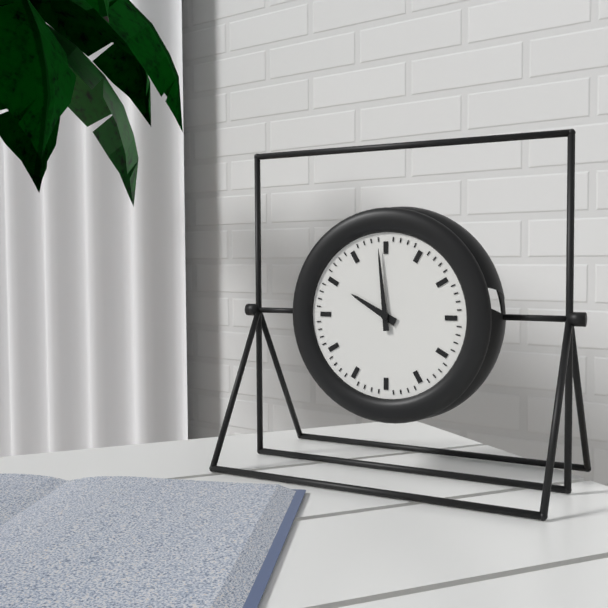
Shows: {"hour": 9, "minute": 59}
